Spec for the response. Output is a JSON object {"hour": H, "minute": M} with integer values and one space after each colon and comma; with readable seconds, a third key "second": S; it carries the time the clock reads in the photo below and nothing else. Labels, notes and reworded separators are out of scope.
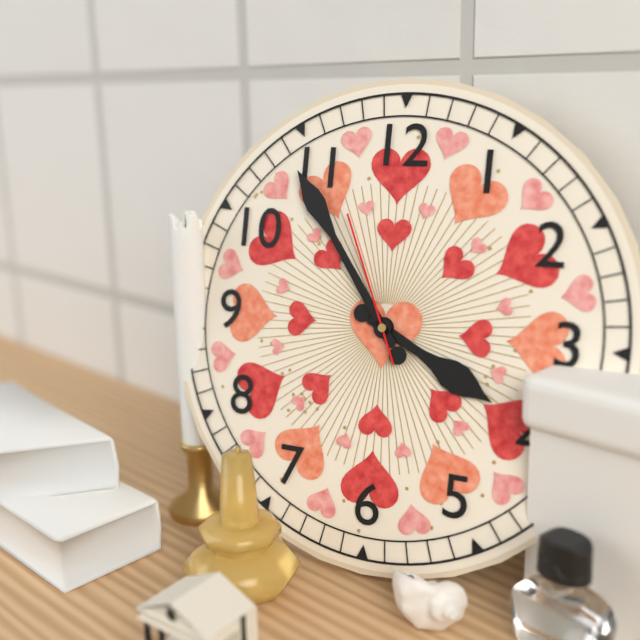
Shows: {"hour": 3, "minute": 54, "second": 56}
